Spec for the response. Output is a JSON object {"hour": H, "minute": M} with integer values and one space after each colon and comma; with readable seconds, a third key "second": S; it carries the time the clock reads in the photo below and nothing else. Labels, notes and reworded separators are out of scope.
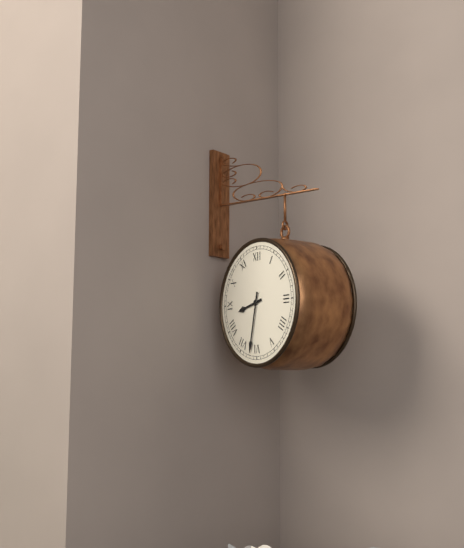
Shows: {"hour": 8, "minute": 32}
